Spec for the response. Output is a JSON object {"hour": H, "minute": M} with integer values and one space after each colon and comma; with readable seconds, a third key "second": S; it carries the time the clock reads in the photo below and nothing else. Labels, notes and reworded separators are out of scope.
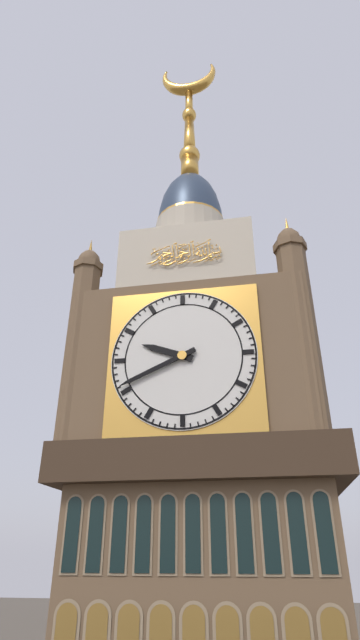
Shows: {"hour": 9, "minute": 41}
